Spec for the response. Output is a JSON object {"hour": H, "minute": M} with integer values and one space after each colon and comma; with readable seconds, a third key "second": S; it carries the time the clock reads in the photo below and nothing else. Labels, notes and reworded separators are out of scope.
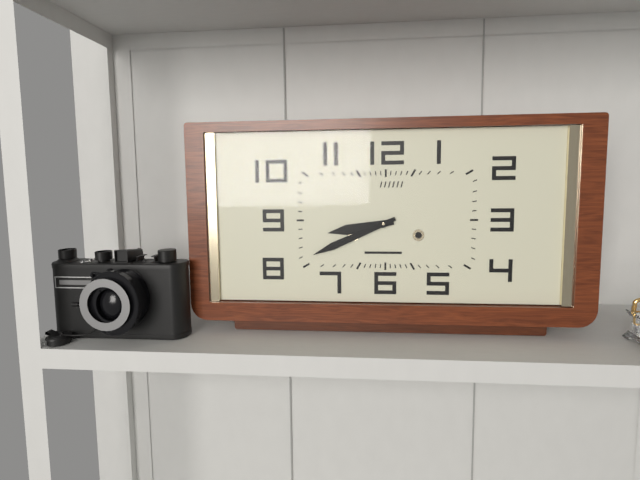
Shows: {"hour": 8, "minute": 41}
